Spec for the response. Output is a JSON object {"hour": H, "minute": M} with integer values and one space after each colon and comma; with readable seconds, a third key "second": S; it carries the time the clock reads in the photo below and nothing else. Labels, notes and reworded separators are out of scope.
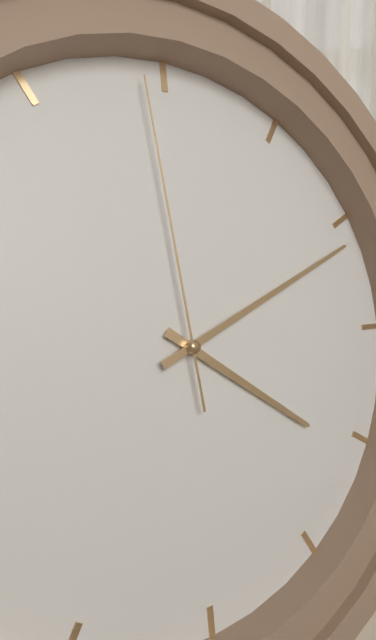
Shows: {"hour": 4, "minute": 11, "second": 59}
